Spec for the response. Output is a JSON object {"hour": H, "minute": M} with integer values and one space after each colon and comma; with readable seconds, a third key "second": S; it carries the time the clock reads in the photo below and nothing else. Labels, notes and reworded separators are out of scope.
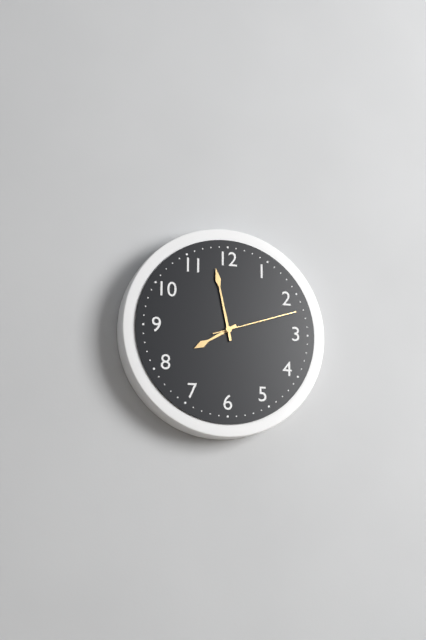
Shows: {"hour": 7, "minute": 58, "second": 12}
